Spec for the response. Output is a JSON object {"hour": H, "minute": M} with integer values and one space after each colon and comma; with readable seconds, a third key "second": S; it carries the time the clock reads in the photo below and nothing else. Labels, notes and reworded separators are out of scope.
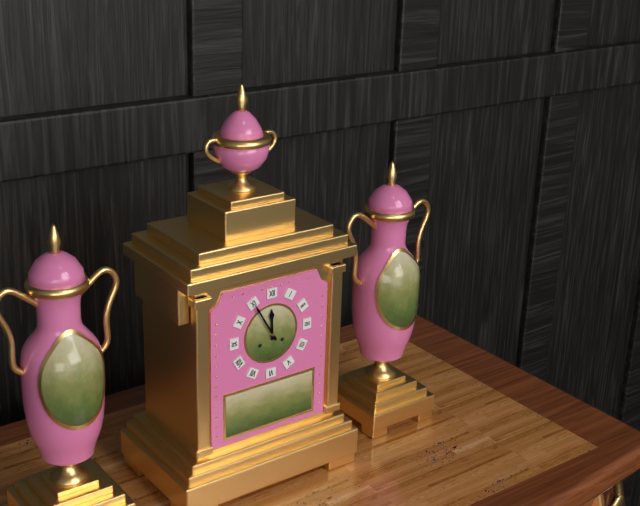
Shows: {"hour": 11, "minute": 55}
